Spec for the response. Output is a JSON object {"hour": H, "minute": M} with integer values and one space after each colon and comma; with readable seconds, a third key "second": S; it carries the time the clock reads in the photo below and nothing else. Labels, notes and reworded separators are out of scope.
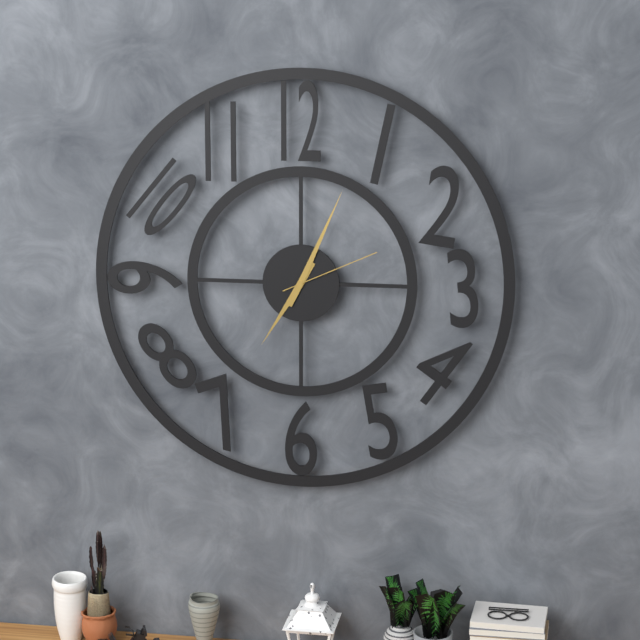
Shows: {"hour": 7, "minute": 4, "second": 11}
